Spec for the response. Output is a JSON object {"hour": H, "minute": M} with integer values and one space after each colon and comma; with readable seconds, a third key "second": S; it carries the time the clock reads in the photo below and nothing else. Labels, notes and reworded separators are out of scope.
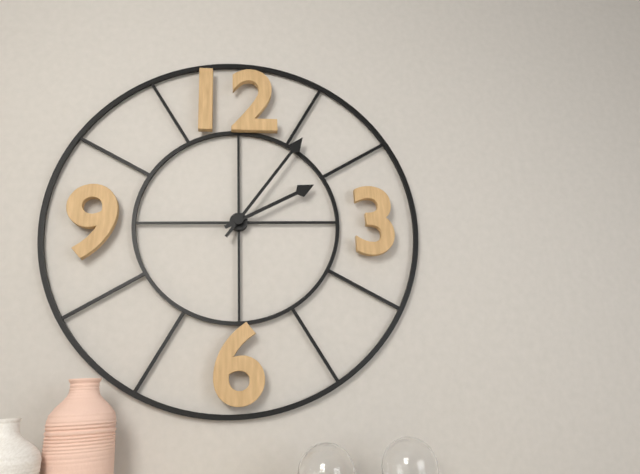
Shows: {"hour": 2, "minute": 6}
